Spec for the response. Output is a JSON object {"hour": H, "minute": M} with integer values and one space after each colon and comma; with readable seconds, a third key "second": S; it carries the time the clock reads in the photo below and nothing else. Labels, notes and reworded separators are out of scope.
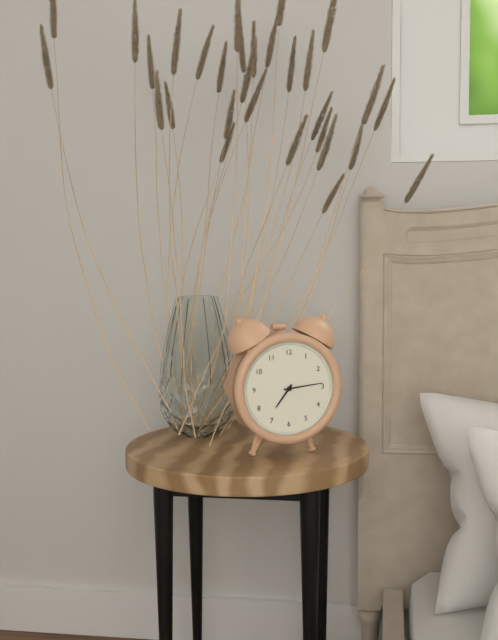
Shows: {"hour": 7, "minute": 14}
